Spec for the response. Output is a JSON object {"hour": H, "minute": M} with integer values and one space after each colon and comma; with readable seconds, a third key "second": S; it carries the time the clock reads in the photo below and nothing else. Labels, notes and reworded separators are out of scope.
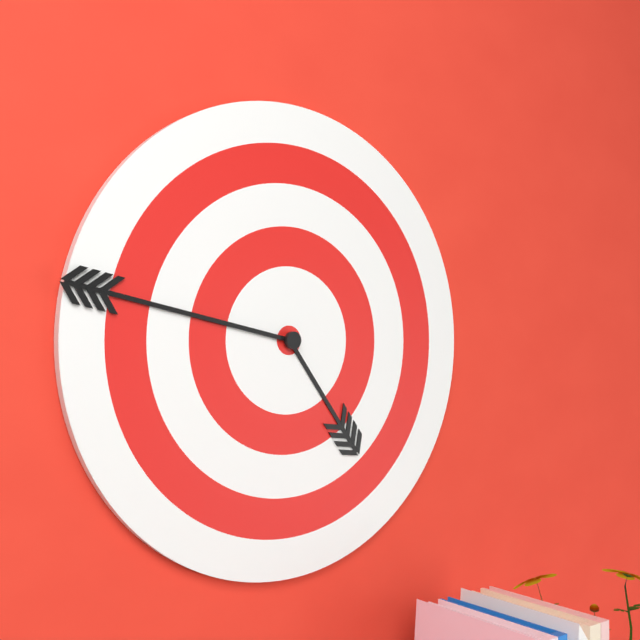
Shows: {"hour": 4, "minute": 47}
